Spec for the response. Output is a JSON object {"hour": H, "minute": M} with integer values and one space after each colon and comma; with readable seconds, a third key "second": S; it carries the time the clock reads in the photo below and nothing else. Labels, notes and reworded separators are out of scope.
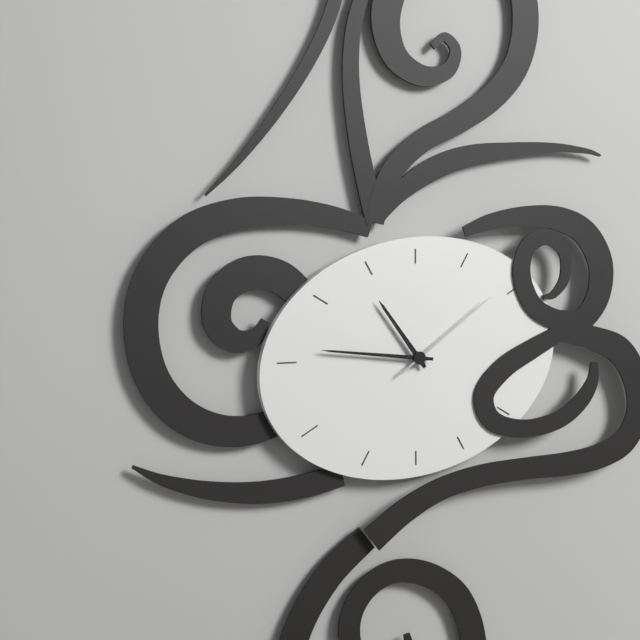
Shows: {"hour": 10, "minute": 46, "second": 9}
